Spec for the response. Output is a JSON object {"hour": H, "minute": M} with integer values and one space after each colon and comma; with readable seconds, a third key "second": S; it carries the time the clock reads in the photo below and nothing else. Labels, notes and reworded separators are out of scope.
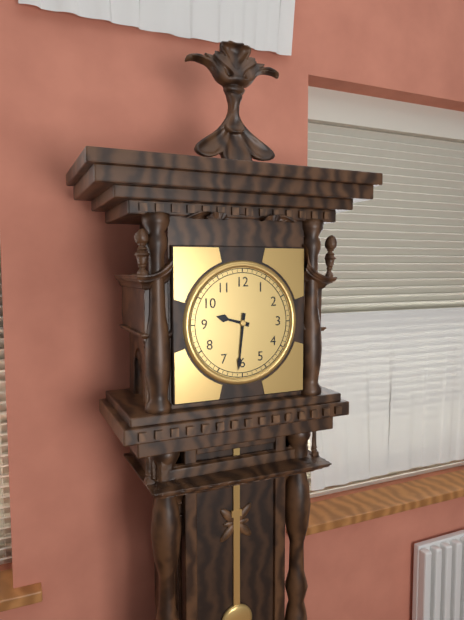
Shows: {"hour": 9, "minute": 31}
